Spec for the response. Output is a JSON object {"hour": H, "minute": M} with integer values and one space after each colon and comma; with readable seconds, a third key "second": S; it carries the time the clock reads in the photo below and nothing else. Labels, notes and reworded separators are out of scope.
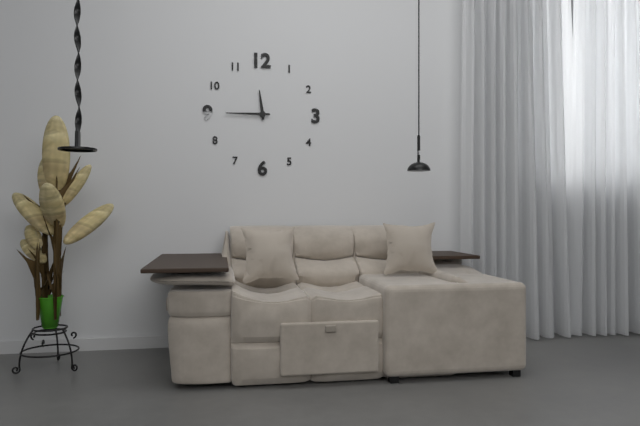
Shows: {"hour": 11, "minute": 45}
